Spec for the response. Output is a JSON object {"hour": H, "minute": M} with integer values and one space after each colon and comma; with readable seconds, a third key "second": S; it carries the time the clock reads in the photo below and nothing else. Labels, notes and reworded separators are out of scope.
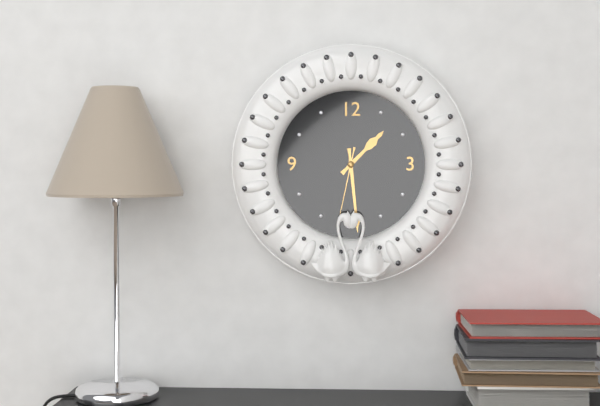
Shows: {"hour": 1, "minute": 29, "second": 32}
